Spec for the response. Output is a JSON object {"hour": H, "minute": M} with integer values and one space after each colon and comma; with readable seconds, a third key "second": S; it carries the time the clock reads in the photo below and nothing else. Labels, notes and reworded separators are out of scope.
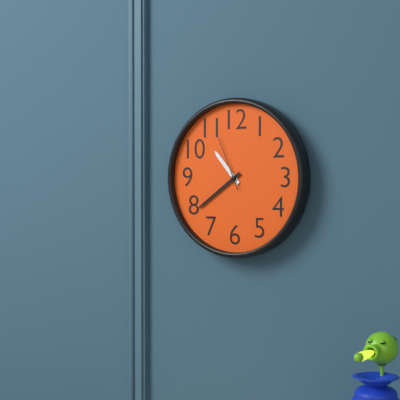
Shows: {"hour": 10, "minute": 39, "second": 56}
